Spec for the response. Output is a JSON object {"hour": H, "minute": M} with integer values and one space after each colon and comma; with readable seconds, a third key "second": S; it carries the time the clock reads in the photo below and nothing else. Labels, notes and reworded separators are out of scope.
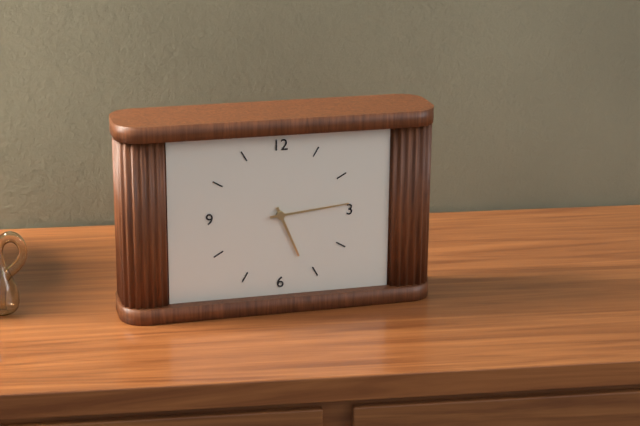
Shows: {"hour": 5, "minute": 14}
